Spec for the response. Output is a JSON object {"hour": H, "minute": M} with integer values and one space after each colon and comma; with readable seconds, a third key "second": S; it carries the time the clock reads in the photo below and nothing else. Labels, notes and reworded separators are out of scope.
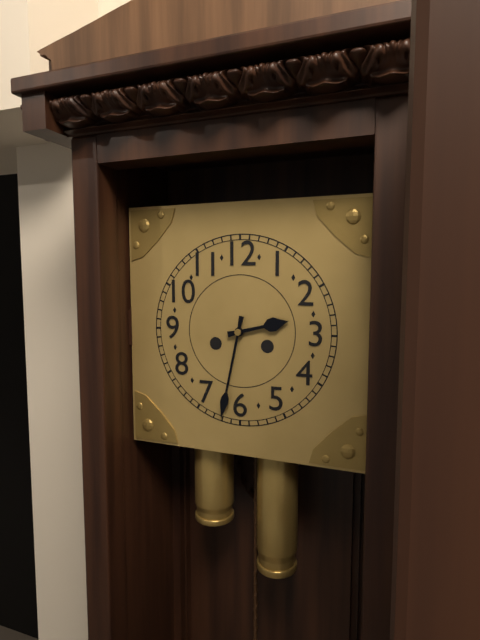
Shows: {"hour": 2, "minute": 32}
